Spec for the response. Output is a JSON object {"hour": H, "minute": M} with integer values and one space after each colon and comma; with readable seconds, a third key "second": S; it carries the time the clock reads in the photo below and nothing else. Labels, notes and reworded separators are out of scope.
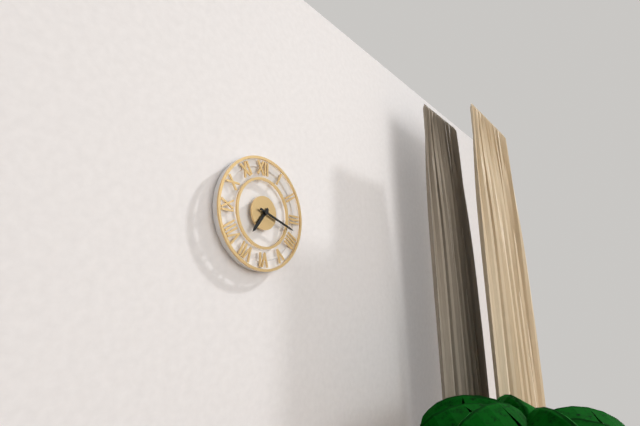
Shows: {"hour": 7, "minute": 18}
